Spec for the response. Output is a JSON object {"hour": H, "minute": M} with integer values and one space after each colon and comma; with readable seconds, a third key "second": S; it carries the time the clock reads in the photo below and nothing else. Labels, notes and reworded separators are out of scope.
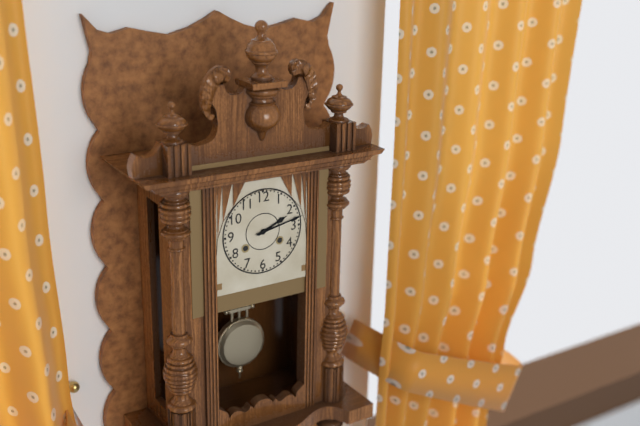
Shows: {"hour": 2, "minute": 13}
